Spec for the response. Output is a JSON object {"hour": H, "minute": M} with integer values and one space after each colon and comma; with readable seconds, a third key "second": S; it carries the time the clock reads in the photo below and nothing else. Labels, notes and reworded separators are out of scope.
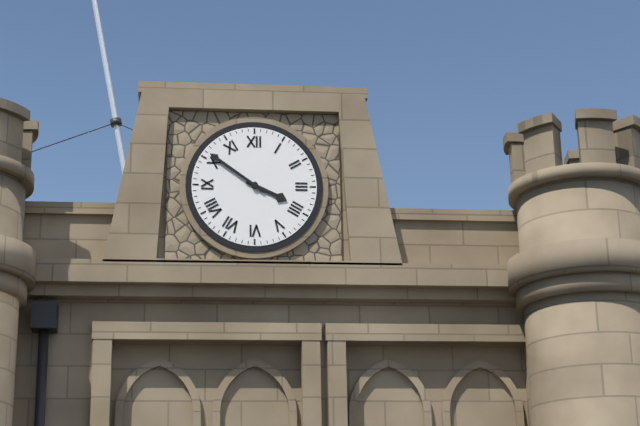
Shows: {"hour": 3, "minute": 51}
